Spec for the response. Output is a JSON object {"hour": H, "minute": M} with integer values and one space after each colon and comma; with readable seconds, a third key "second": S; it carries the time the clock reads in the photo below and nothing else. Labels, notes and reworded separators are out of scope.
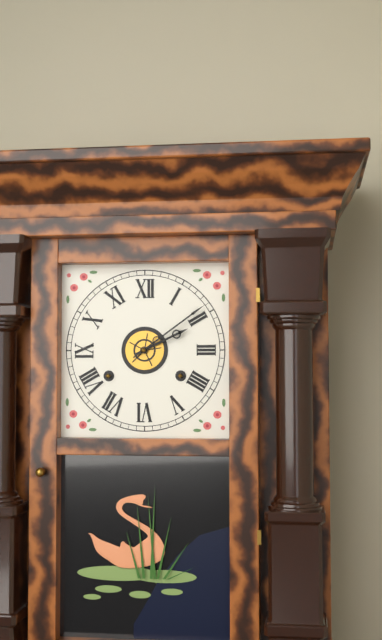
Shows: {"hour": 2, "minute": 9}
